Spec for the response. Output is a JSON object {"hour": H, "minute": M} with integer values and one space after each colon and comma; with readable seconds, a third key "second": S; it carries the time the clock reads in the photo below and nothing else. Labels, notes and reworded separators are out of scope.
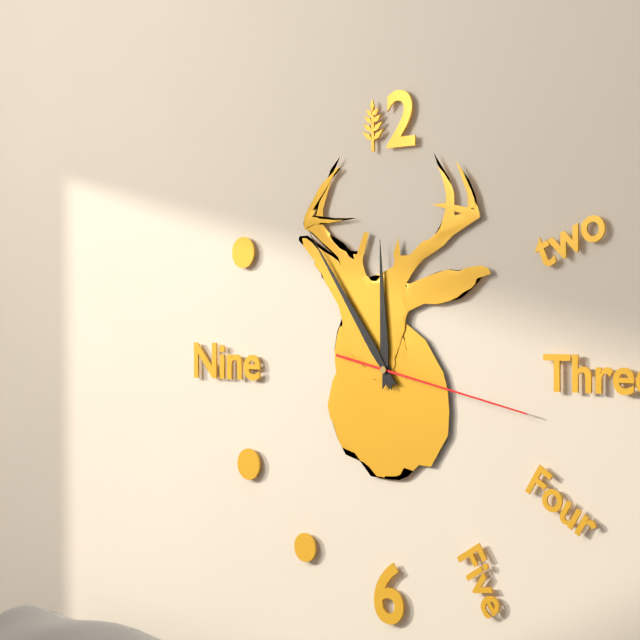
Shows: {"hour": 11, "minute": 54, "second": 17}
